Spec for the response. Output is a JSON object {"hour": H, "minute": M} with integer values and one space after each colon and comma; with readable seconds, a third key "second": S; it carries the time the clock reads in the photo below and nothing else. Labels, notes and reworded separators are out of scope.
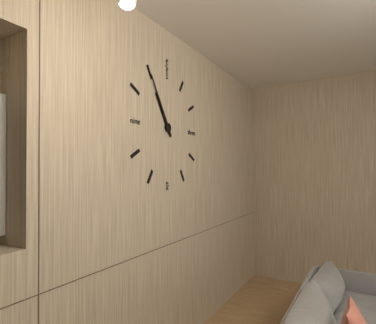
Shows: {"hour": 10, "minute": 55}
